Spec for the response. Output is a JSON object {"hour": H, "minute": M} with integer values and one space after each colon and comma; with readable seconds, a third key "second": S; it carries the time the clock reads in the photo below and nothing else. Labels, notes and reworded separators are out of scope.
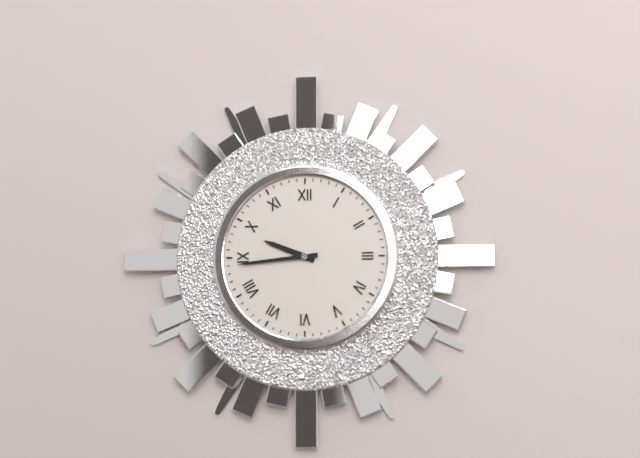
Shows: {"hour": 9, "minute": 44}
